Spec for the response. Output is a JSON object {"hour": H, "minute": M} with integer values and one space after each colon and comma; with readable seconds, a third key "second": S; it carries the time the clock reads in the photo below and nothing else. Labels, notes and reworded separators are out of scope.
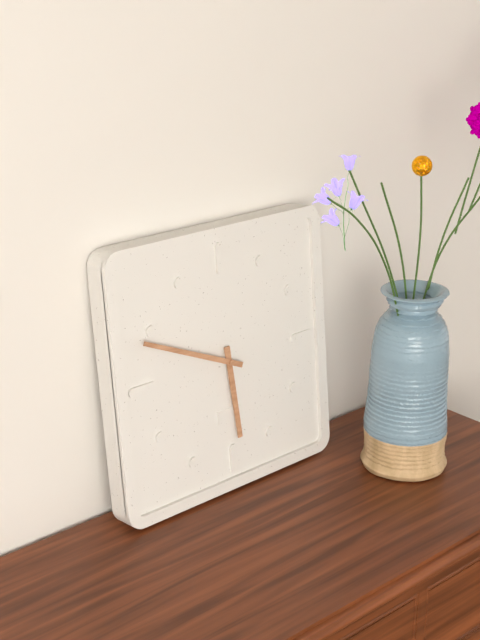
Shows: {"hour": 5, "minute": 49}
